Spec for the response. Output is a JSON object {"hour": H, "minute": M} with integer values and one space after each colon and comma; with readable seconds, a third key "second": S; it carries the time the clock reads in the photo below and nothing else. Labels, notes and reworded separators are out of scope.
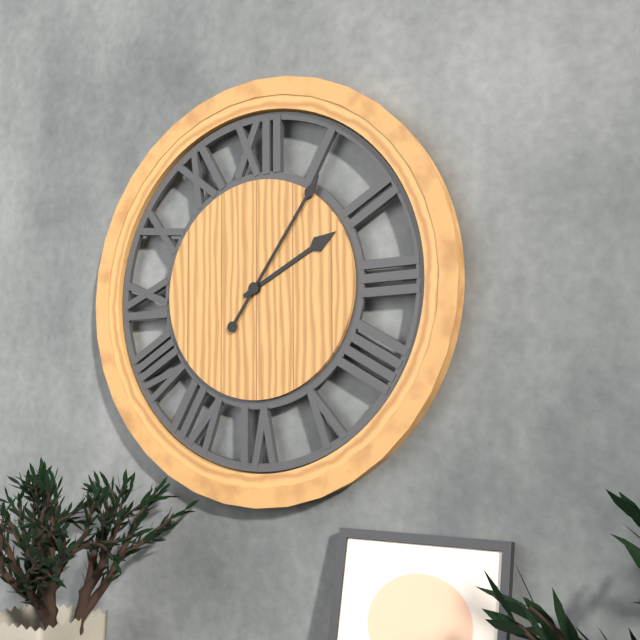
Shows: {"hour": 2, "minute": 6}
